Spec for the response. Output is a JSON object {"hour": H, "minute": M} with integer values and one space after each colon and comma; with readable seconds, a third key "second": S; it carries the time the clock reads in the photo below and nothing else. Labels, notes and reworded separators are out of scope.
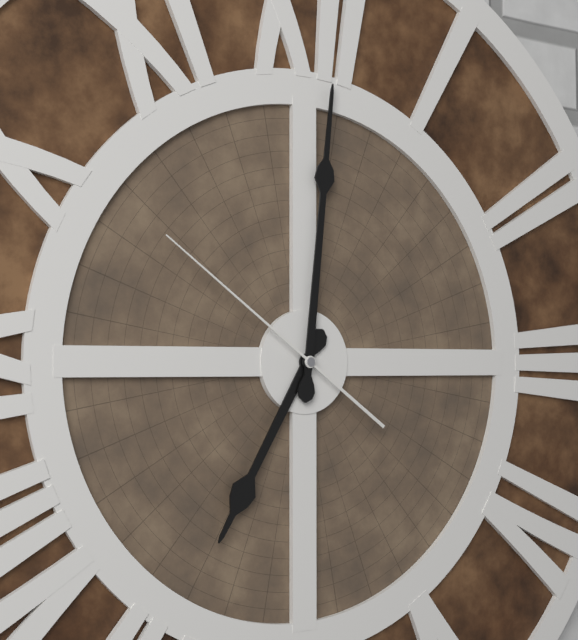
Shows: {"hour": 7, "minute": 1, "second": 51}
